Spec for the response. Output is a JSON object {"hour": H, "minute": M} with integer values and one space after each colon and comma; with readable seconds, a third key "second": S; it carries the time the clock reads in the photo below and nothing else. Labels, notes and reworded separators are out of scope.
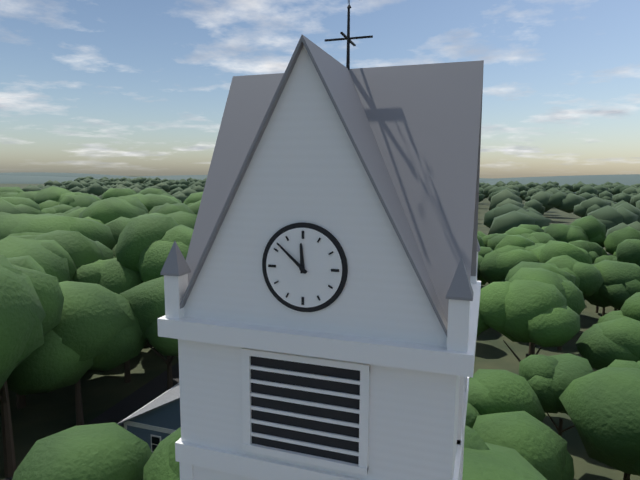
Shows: {"hour": 11, "minute": 52}
